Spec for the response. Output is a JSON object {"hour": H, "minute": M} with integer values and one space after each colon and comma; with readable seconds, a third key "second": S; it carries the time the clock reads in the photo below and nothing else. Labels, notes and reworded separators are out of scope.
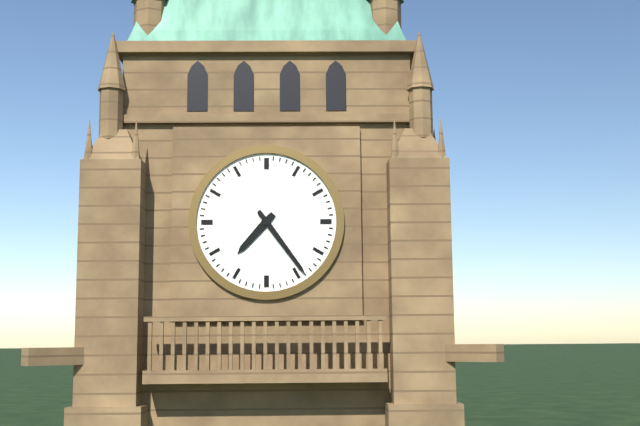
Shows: {"hour": 7, "minute": 24}
